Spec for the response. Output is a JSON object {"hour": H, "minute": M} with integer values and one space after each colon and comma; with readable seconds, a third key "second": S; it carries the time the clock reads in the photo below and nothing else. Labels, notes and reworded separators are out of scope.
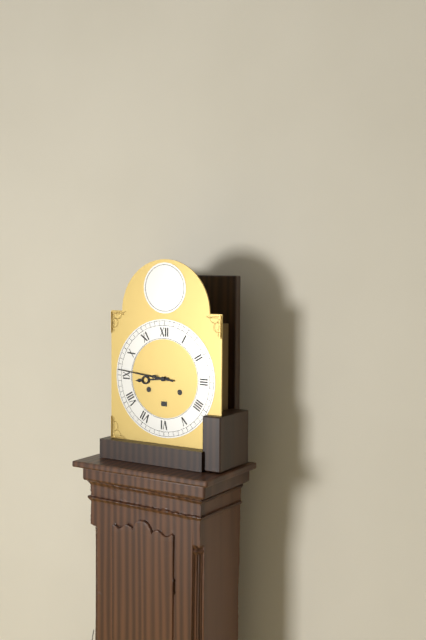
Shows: {"hour": 8, "minute": 46}
